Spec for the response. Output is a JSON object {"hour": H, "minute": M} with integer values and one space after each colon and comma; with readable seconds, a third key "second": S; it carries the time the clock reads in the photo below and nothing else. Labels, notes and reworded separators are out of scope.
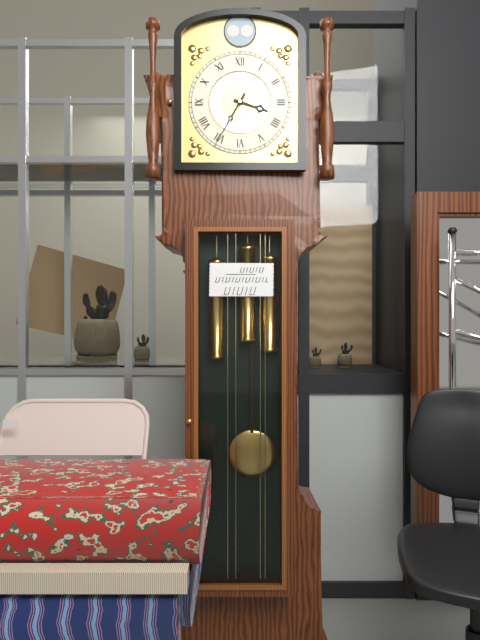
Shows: {"hour": 3, "minute": 35}
